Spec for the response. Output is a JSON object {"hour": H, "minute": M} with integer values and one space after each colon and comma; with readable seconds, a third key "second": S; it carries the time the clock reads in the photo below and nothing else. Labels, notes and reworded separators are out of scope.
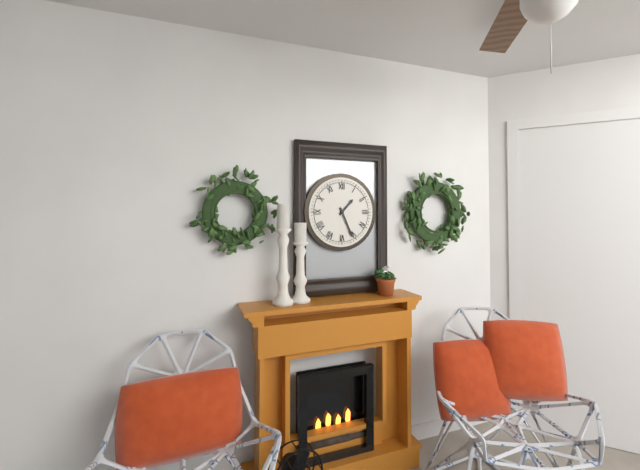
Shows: {"hour": 1, "minute": 26}
